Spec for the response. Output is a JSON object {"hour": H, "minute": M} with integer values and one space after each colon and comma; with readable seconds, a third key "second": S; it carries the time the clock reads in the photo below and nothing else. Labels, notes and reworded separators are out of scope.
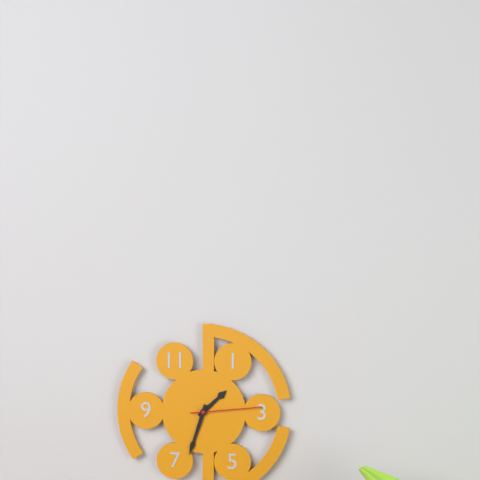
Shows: {"hour": 1, "minute": 33, "second": 14}
